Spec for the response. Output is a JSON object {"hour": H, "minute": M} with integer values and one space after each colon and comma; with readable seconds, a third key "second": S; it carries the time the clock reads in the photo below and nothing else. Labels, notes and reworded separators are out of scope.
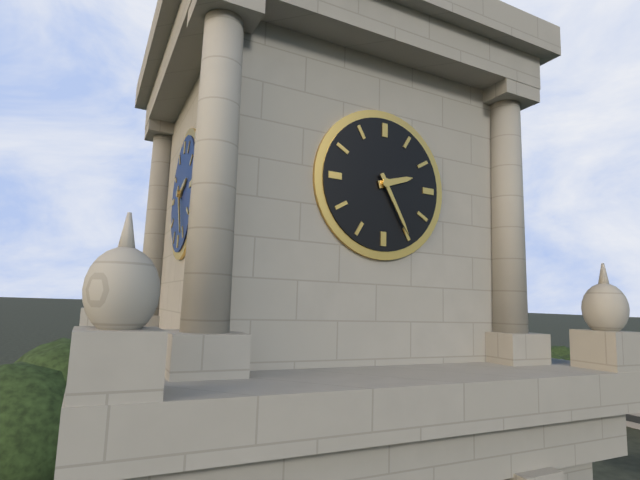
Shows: {"hour": 2, "minute": 25}
